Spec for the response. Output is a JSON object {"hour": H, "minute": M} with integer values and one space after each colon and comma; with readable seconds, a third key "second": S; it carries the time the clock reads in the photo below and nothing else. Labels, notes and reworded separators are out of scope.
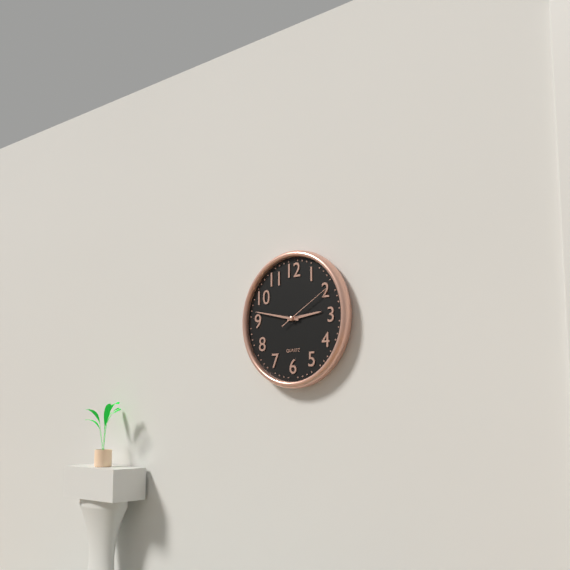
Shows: {"hour": 2, "minute": 47, "second": 10}
